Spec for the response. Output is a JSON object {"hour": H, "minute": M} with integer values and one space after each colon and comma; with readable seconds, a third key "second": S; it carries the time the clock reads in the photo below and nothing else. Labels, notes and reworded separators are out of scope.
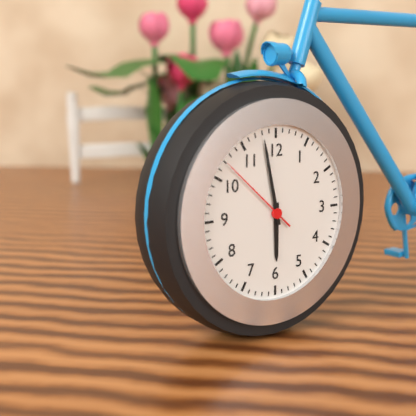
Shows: {"hour": 5, "minute": 58, "second": 52}
